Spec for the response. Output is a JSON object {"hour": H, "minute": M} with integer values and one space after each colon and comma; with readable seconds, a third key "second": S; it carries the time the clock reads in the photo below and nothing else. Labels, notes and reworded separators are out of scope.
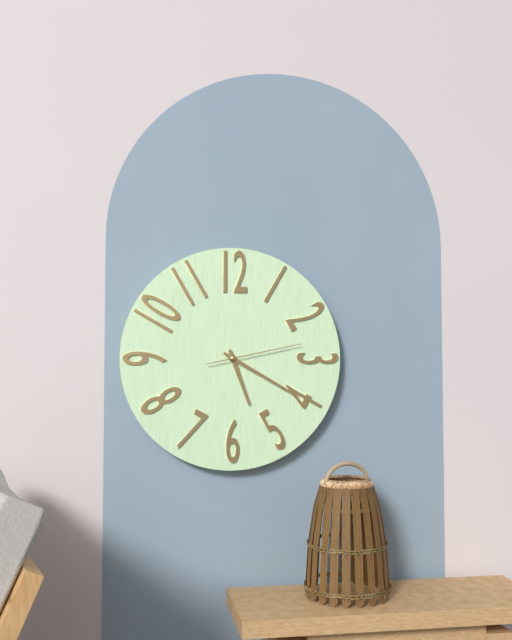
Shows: {"hour": 5, "minute": 20, "second": 13}
